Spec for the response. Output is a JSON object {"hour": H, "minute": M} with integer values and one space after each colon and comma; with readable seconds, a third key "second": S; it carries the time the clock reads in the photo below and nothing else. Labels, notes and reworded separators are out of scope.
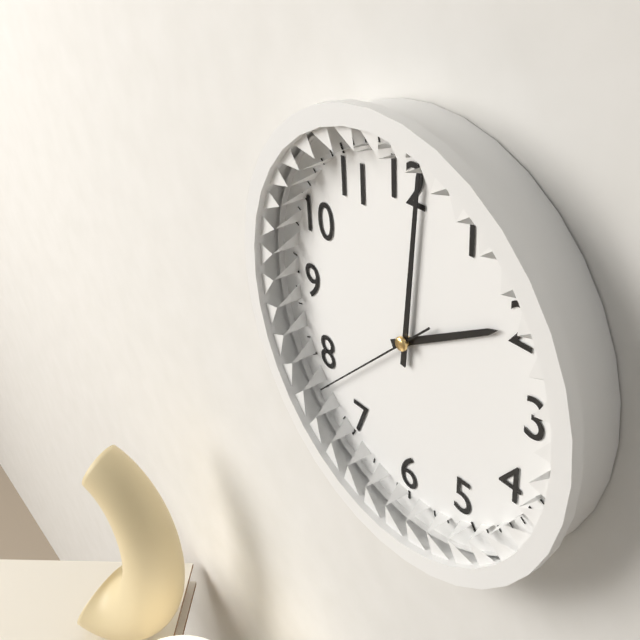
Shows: {"hour": 2, "minute": 1, "second": 38}
